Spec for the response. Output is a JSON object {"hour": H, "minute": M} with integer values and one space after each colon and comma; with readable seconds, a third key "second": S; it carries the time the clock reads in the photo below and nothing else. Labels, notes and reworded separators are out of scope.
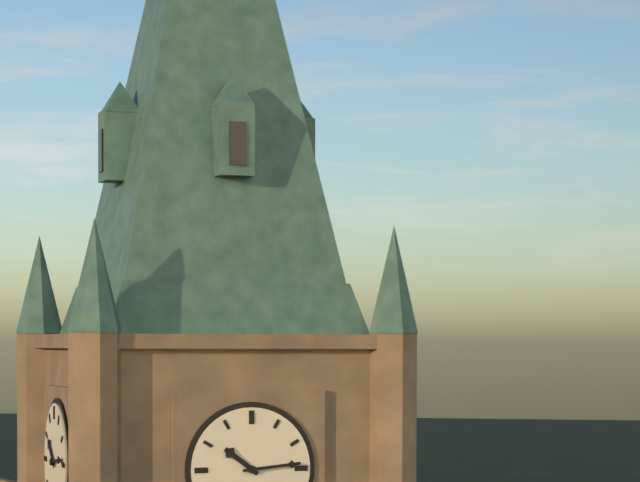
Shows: {"hour": 10, "minute": 14}
